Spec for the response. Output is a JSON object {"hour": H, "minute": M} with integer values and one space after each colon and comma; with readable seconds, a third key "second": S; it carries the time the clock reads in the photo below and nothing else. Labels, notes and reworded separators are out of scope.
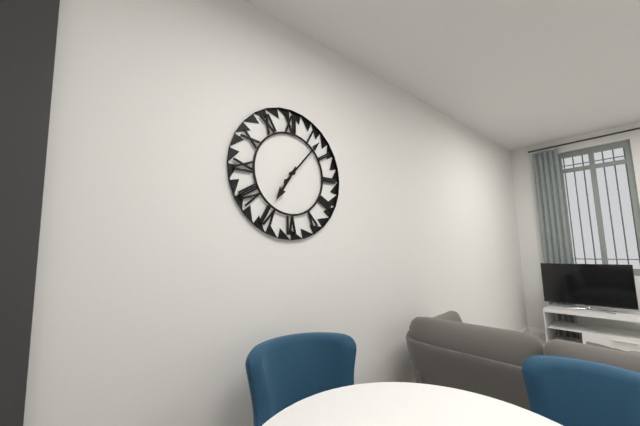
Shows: {"hour": 7, "minute": 7}
